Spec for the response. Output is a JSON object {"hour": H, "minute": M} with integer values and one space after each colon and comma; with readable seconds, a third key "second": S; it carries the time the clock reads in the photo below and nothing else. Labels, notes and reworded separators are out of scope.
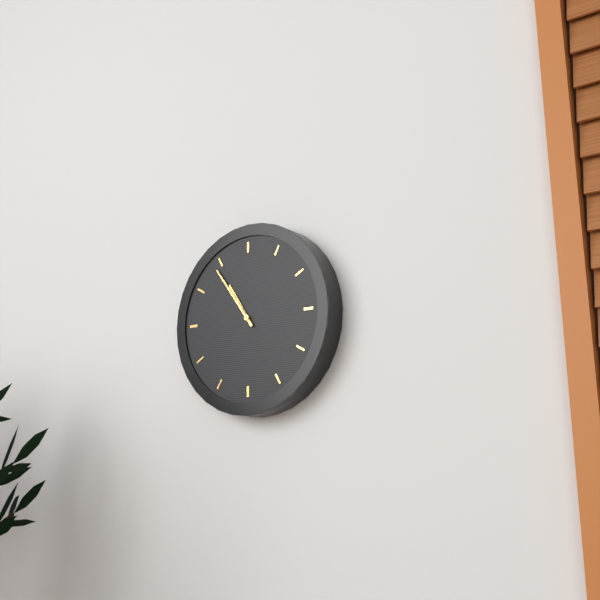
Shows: {"hour": 10, "minute": 54}
